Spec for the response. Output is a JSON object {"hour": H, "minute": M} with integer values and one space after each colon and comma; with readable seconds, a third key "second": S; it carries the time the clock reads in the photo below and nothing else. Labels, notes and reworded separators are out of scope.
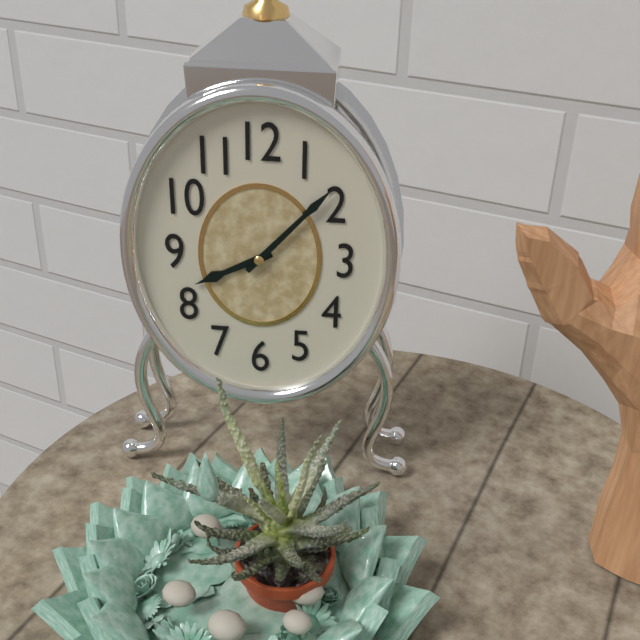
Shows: {"hour": 8, "minute": 7}
